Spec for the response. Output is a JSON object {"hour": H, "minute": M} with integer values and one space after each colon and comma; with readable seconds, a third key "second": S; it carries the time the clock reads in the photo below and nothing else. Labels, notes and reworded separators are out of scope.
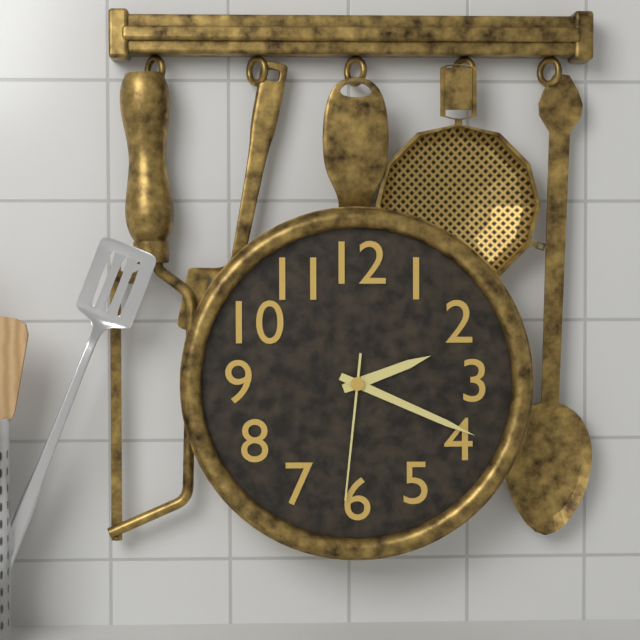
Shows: {"hour": 2, "minute": 19, "second": 31}
